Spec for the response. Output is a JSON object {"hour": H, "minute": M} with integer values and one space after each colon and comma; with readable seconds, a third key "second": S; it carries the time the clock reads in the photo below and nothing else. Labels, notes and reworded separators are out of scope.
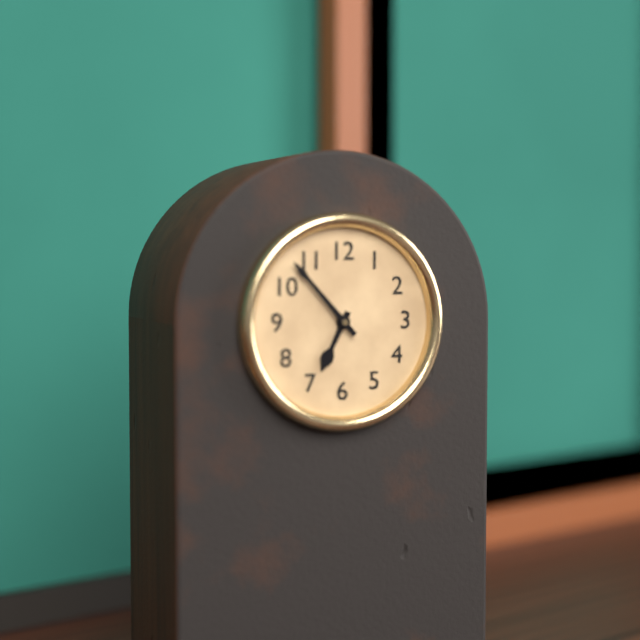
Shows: {"hour": 6, "minute": 53}
